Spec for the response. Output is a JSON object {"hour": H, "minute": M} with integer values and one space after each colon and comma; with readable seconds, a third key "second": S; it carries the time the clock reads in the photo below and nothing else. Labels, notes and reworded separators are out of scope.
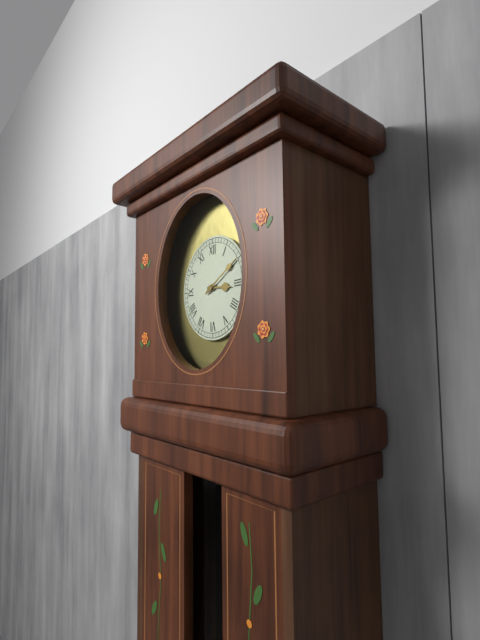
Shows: {"hour": 3, "minute": 10}
